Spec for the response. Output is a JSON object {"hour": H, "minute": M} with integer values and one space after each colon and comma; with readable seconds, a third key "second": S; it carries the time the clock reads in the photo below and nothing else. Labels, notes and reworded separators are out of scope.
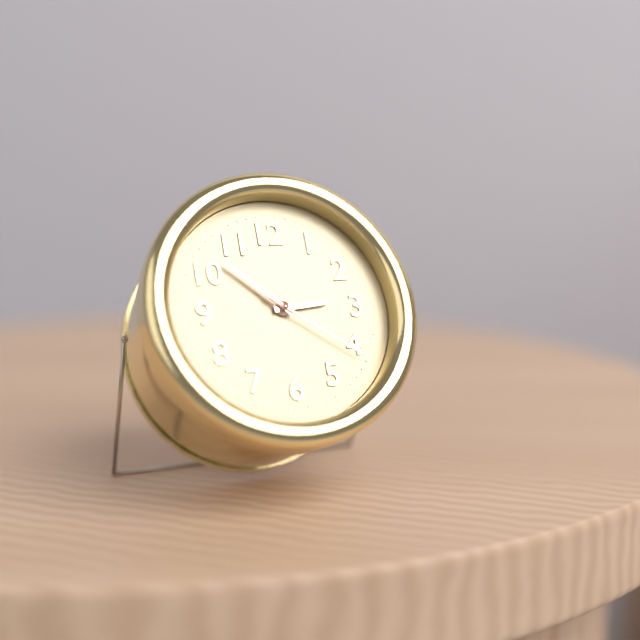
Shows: {"hour": 2, "minute": 52, "second": 21}
